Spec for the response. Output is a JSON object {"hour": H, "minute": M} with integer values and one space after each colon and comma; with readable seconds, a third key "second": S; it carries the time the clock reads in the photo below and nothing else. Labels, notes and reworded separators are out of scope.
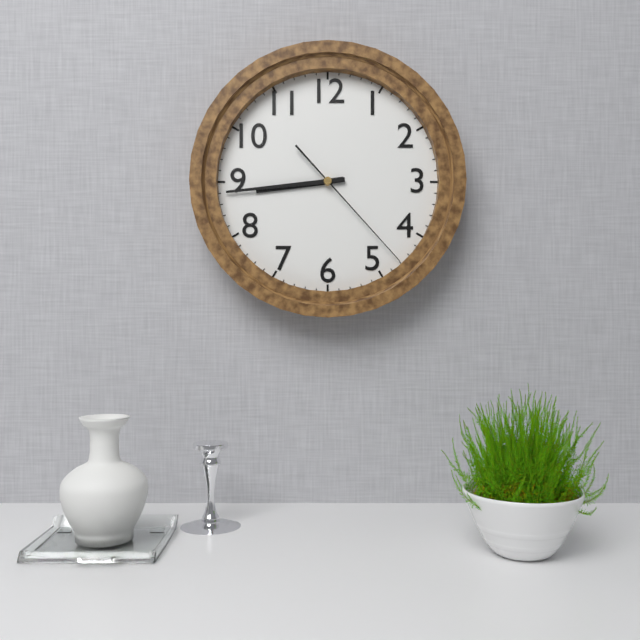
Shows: {"hour": 8, "minute": 44, "second": 23}
